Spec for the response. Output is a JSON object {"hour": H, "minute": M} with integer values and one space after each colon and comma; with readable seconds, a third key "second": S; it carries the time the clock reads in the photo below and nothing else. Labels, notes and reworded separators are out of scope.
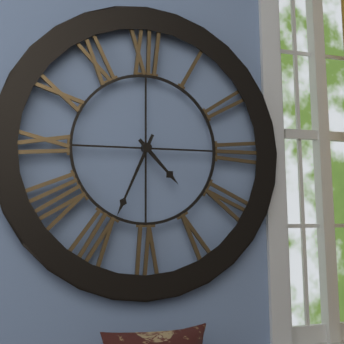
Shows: {"hour": 4, "minute": 34}
